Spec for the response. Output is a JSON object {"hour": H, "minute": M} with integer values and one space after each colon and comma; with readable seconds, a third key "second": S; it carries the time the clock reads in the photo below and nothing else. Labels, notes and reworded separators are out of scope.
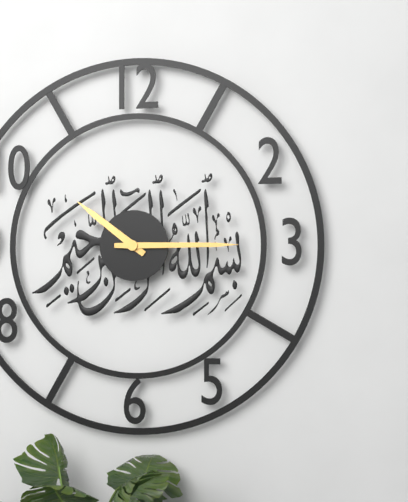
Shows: {"hour": 10, "minute": 15}
